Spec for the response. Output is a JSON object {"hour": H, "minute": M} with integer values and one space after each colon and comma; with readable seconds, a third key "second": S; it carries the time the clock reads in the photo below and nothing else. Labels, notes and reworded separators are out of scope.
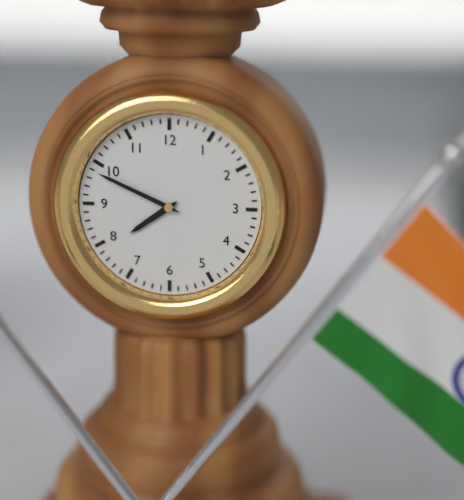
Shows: {"hour": 7, "minute": 49}
